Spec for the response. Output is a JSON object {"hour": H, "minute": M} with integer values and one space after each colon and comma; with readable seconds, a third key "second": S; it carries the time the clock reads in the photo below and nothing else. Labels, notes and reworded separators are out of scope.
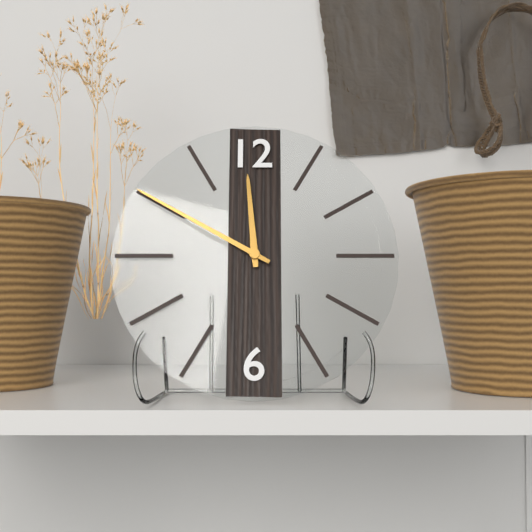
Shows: {"hour": 11, "minute": 50}
